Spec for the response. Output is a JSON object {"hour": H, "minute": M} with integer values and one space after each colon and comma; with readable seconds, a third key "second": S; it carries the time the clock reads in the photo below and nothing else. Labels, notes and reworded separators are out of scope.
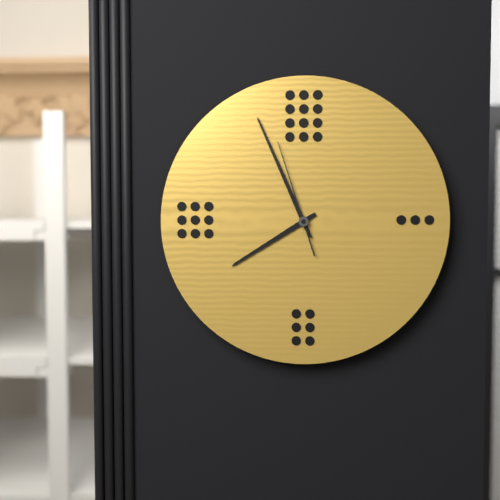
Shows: {"hour": 7, "minute": 56, "second": 57}
